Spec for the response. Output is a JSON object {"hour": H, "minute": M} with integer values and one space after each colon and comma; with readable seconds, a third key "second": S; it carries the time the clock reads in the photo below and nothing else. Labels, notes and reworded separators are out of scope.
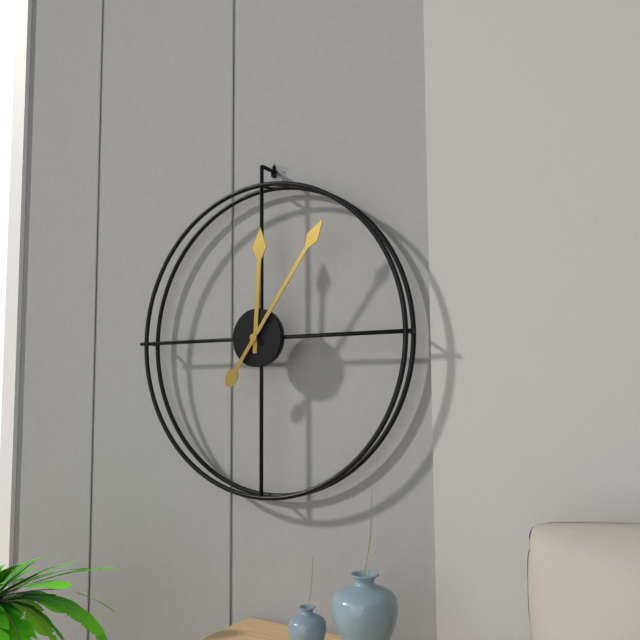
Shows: {"hour": 12, "minute": 6}
